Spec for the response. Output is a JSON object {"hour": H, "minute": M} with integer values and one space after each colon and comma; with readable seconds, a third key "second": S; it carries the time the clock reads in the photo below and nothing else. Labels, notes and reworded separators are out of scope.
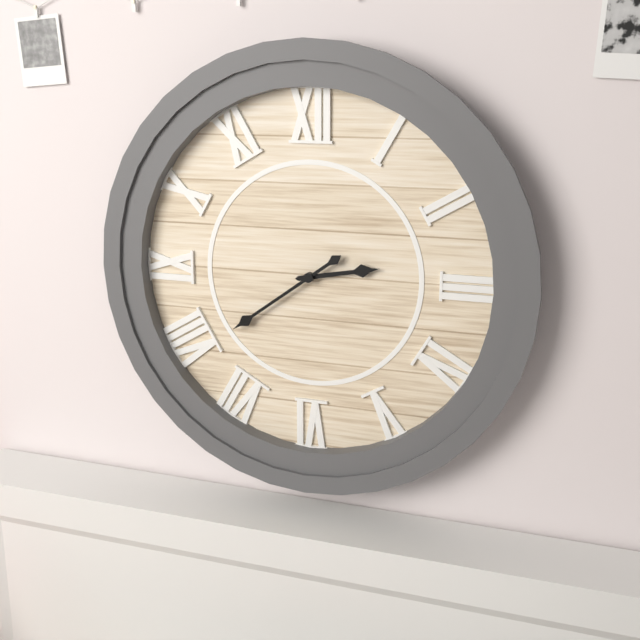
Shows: {"hour": 2, "minute": 39}
